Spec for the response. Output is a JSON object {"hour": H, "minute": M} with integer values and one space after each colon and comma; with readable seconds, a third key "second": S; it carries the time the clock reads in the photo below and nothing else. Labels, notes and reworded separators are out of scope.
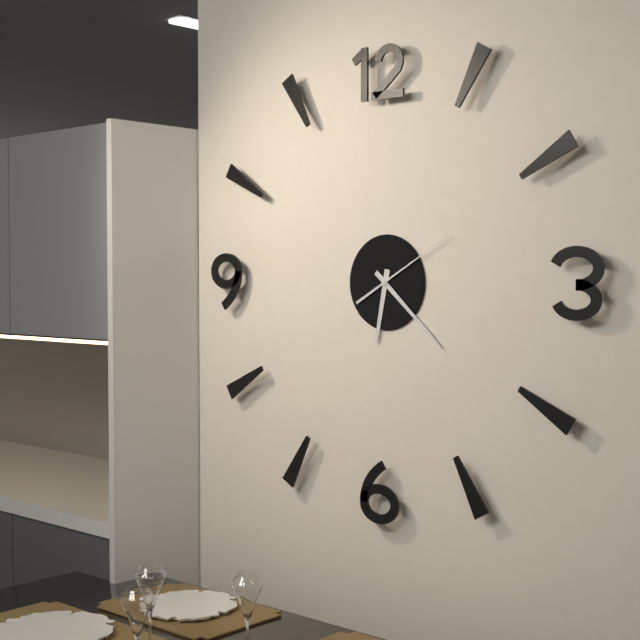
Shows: {"hour": 6, "minute": 22, "second": 10}
